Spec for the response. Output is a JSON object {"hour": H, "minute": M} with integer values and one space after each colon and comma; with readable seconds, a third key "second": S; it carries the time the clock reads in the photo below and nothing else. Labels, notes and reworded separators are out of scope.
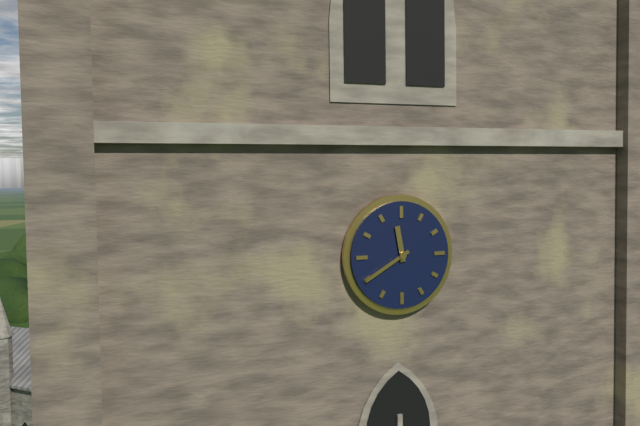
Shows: {"hour": 11, "minute": 40}
